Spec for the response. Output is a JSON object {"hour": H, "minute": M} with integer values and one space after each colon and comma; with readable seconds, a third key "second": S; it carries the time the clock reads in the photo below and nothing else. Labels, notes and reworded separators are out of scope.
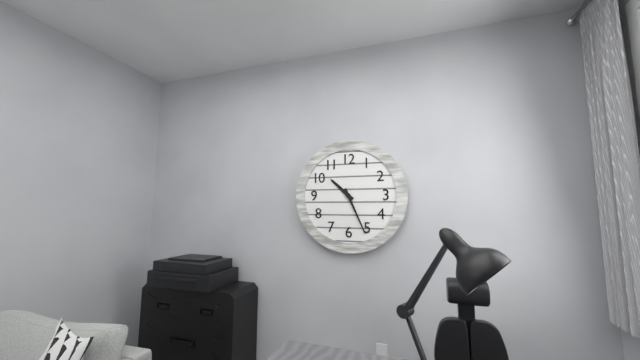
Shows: {"hour": 10, "minute": 26}
